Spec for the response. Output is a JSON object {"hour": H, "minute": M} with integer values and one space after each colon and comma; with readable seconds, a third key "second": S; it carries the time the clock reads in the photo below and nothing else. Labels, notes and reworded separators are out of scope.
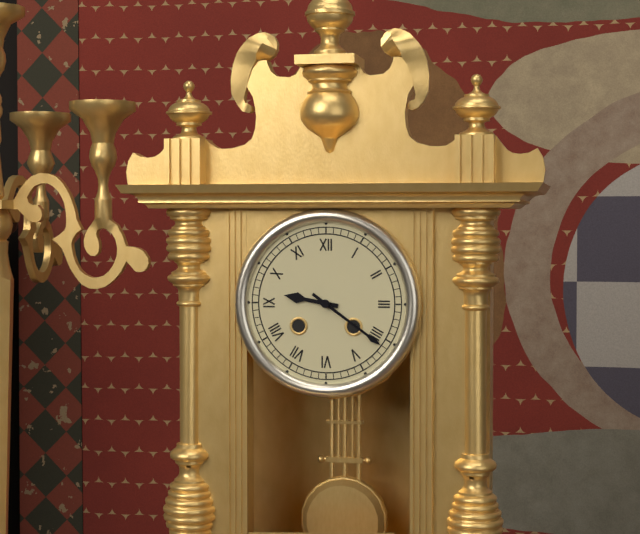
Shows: {"hour": 9, "minute": 21}
